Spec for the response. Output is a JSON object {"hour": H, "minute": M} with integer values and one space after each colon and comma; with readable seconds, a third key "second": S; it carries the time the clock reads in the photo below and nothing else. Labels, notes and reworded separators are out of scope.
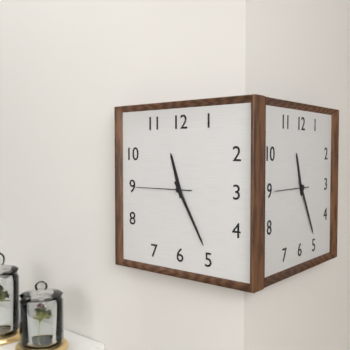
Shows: {"hour": 11, "minute": 25, "second": 45}
